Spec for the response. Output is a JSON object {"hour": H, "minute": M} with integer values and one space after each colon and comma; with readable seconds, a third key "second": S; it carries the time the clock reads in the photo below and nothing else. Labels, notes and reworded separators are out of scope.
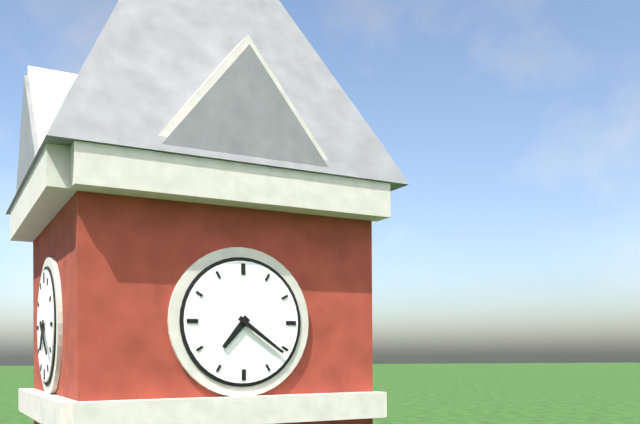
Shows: {"hour": 7, "minute": 21}
